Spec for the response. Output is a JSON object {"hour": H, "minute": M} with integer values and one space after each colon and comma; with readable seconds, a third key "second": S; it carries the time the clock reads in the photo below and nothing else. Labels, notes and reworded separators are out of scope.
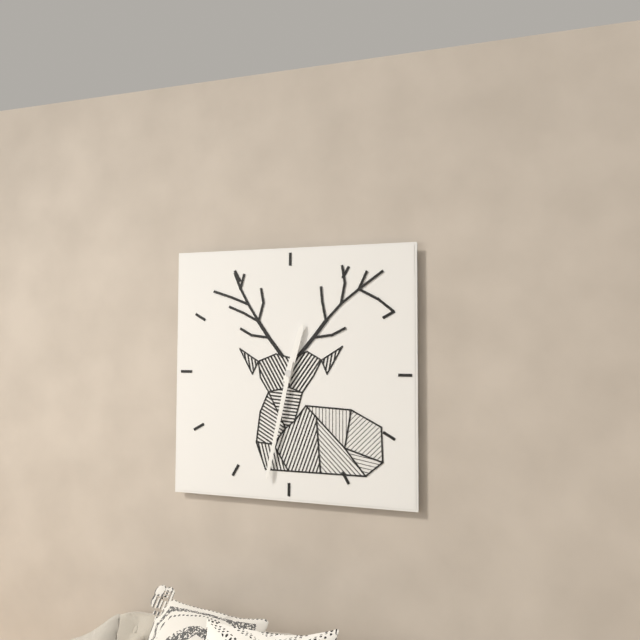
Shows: {"hour": 12, "minute": 32}
